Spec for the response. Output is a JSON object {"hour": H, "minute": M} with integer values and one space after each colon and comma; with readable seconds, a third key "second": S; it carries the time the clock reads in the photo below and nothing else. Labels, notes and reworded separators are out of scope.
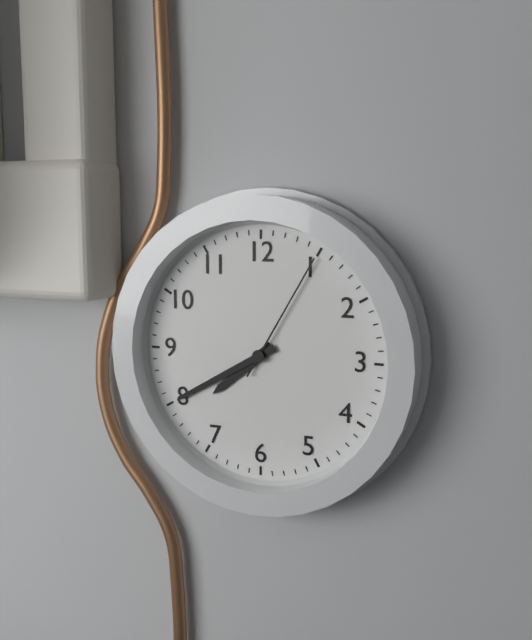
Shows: {"hour": 7, "minute": 40, "second": 5}
